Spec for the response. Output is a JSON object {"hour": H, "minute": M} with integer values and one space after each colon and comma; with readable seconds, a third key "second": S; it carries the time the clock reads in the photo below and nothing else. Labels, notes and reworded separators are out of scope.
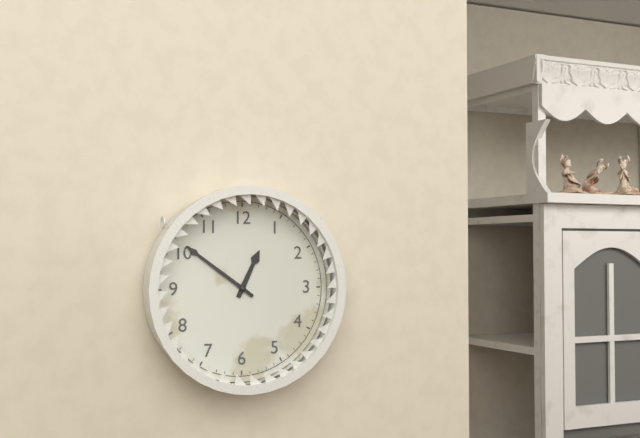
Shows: {"hour": 12, "minute": 51}
